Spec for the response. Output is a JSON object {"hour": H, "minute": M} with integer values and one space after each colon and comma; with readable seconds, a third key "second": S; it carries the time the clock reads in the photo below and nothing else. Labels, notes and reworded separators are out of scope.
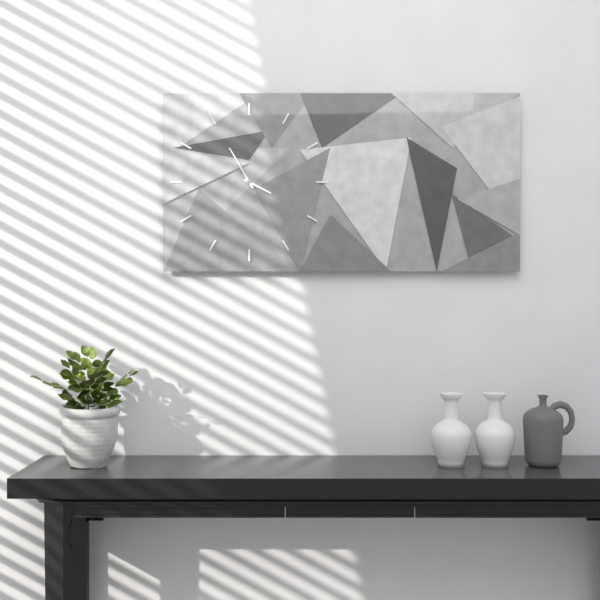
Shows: {"hour": 3, "minute": 55}
